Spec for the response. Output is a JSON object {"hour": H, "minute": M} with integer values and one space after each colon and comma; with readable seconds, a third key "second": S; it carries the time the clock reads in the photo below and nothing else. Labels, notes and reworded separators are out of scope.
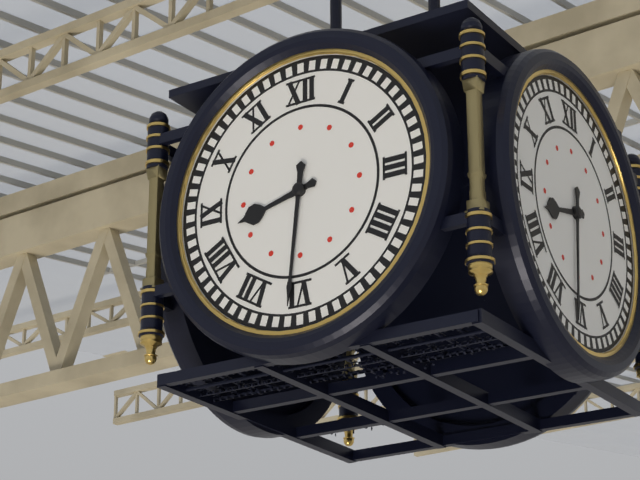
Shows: {"hour": 8, "minute": 31}
